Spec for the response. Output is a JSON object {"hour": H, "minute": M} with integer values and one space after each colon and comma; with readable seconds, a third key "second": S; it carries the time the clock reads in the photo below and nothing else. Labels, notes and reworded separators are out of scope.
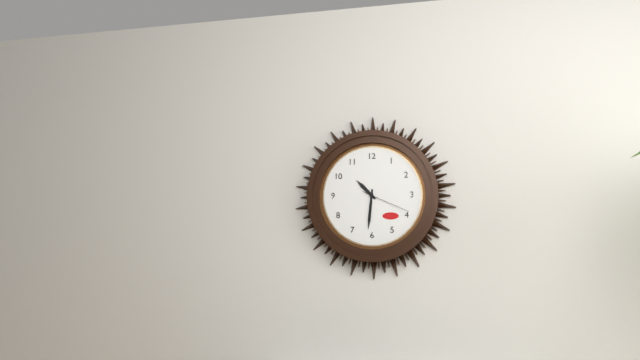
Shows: {"hour": 10, "minute": 31, "second": 19}
